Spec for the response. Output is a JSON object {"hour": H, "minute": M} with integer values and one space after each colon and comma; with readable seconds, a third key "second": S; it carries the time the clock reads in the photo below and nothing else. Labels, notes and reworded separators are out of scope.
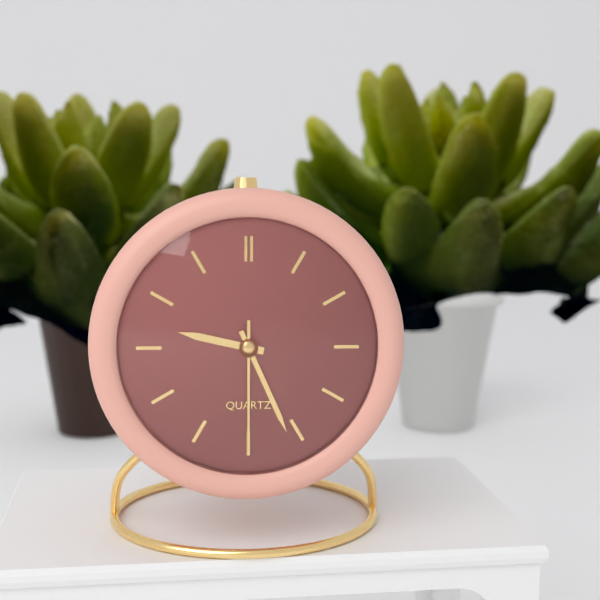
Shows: {"hour": 9, "minute": 26, "second": 30}
